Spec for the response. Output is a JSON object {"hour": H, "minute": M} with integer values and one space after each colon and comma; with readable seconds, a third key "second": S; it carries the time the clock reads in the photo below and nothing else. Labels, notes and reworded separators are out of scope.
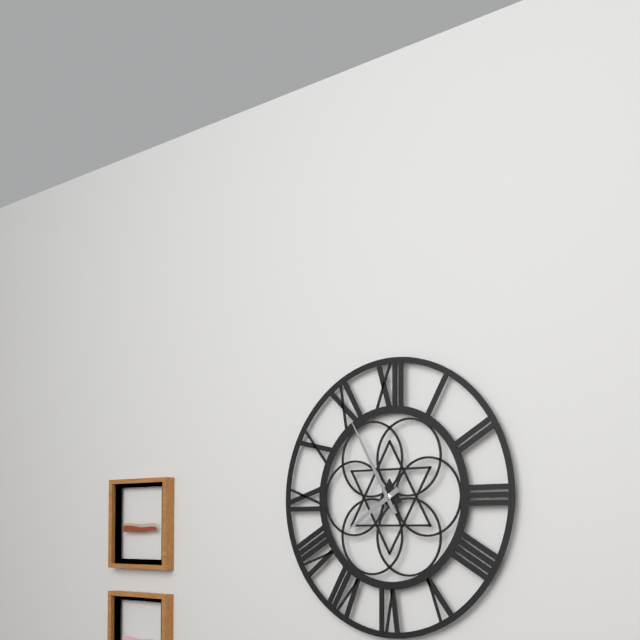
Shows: {"hour": 7, "minute": 55}
